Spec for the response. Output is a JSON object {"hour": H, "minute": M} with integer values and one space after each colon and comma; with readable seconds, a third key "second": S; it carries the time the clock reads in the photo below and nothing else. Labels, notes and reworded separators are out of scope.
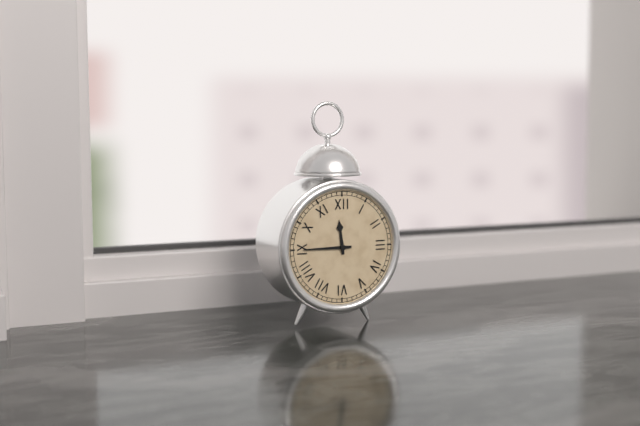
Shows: {"hour": 11, "minute": 45}
